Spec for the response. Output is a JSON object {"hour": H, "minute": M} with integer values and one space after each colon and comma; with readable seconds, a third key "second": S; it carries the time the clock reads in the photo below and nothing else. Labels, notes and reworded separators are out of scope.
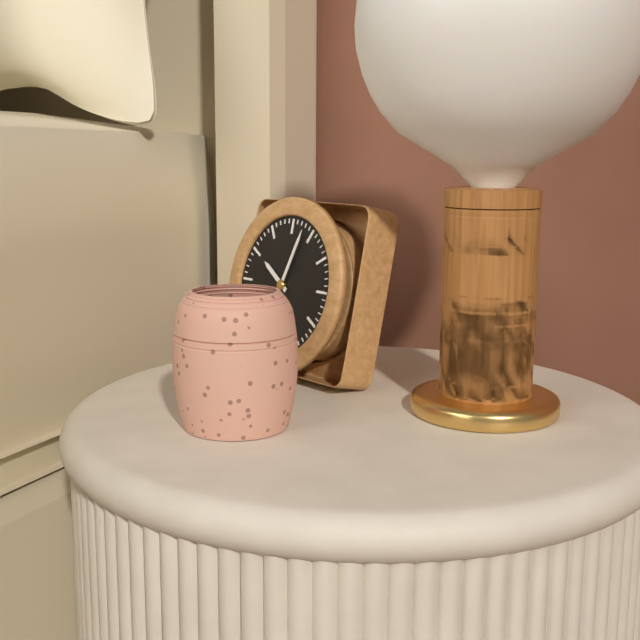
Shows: {"hour": 10, "minute": 3}
